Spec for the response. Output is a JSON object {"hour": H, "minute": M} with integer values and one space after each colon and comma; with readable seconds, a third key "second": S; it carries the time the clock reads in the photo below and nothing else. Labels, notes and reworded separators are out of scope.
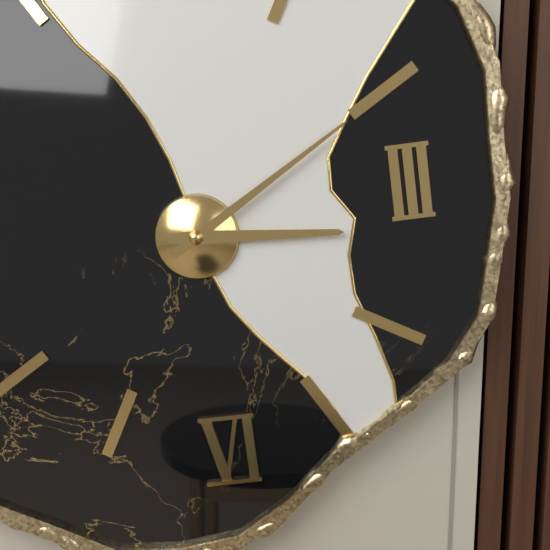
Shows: {"hour": 3, "minute": 10}
